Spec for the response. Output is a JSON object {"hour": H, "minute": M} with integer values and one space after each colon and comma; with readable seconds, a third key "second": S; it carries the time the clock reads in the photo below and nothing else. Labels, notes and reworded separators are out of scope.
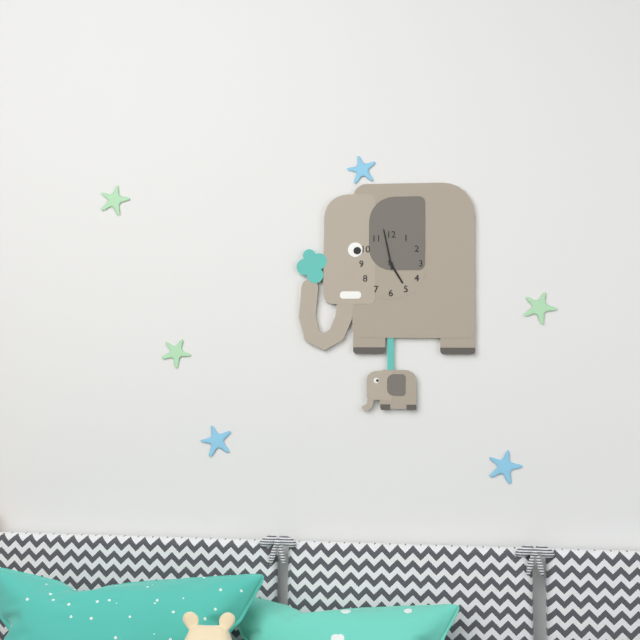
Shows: {"hour": 4, "minute": 58}
